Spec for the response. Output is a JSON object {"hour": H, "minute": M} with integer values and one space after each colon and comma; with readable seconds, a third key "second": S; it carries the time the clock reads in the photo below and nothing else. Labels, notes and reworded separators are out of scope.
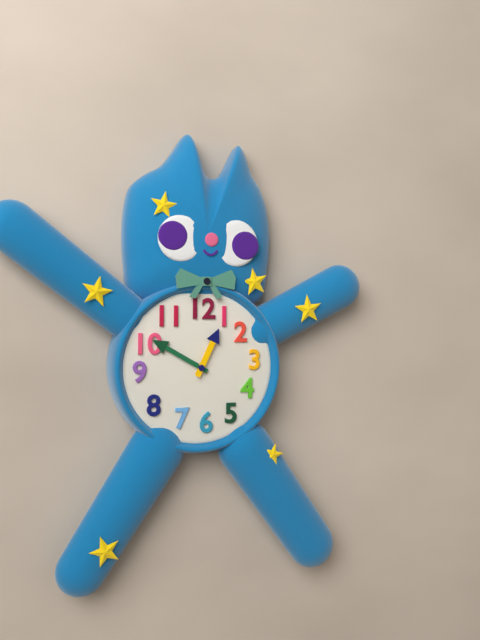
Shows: {"hour": 12, "minute": 50}
